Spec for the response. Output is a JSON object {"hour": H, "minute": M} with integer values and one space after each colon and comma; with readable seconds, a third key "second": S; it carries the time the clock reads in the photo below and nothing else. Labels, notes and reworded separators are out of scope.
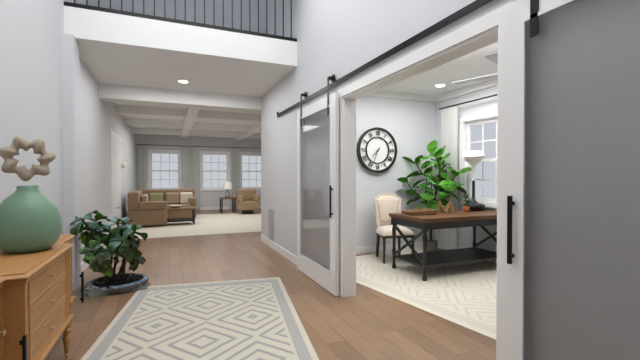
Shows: {"hour": 7, "minute": 34}
